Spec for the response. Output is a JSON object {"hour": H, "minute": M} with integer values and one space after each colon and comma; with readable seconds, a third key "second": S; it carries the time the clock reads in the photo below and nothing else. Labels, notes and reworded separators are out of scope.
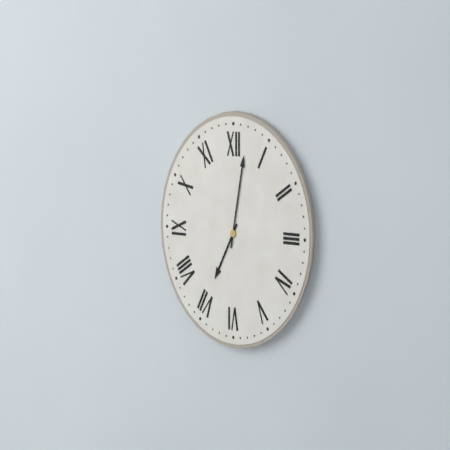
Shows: {"hour": 7, "minute": 2}
